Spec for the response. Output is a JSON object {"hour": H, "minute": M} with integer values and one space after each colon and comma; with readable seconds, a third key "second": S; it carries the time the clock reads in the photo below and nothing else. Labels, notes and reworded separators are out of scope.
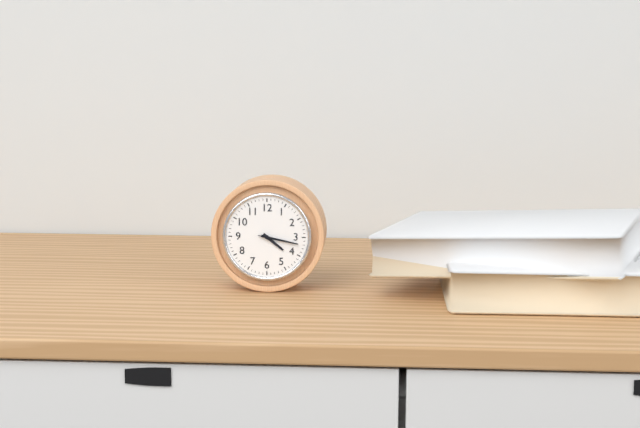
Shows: {"hour": 4, "minute": 17}
